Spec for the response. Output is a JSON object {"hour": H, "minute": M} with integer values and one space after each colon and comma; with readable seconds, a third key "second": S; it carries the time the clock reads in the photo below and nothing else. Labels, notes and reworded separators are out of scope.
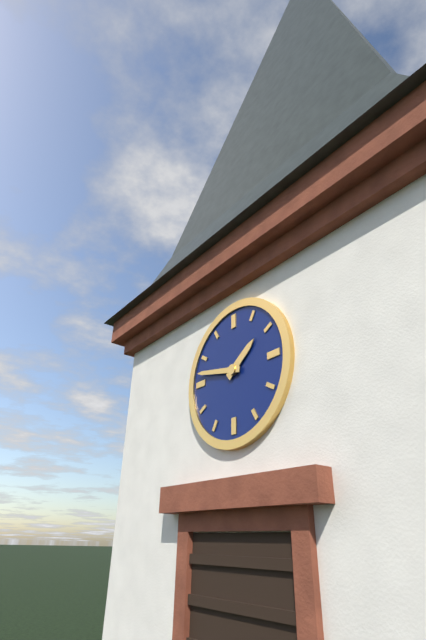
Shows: {"hour": 1, "minute": 47}
